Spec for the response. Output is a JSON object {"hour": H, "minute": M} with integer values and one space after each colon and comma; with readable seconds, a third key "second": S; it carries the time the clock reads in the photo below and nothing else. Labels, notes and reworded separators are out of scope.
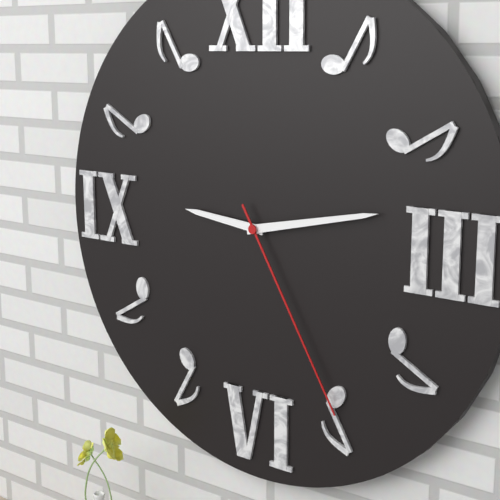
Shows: {"hour": 9, "minute": 13, "second": 25}
